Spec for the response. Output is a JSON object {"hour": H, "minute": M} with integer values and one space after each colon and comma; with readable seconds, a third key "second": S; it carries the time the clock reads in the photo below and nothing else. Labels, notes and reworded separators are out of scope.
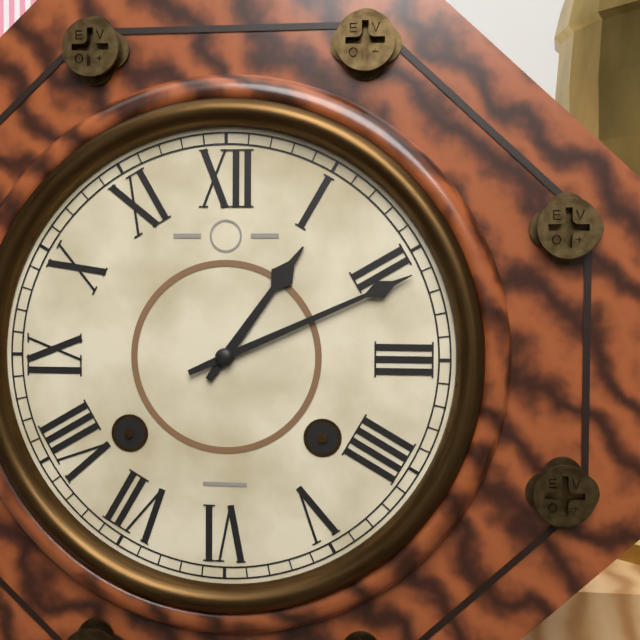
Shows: {"hour": 1, "minute": 11}
